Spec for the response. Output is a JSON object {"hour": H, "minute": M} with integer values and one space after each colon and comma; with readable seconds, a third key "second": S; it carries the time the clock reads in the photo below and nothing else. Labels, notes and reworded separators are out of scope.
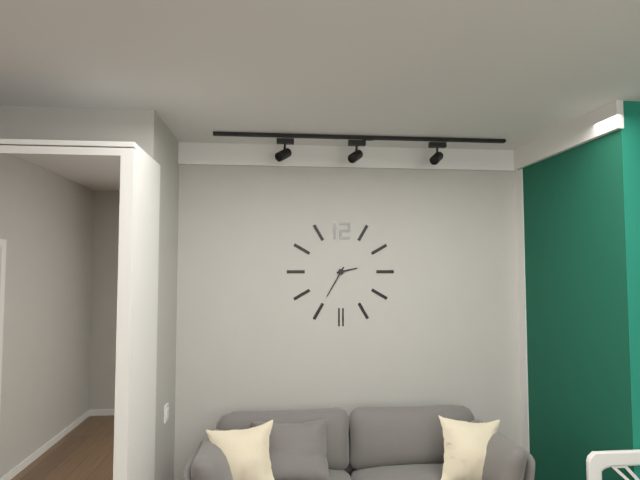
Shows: {"hour": 2, "minute": 35}
